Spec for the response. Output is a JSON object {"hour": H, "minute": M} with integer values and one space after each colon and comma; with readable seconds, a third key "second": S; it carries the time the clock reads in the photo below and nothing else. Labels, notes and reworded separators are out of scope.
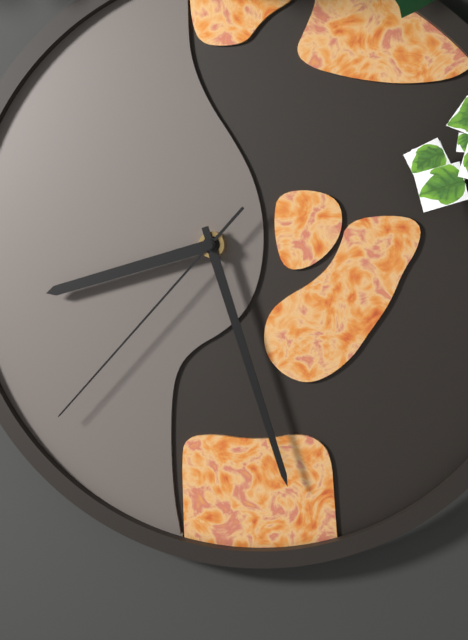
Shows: {"hour": 8, "minute": 27, "second": 37}
